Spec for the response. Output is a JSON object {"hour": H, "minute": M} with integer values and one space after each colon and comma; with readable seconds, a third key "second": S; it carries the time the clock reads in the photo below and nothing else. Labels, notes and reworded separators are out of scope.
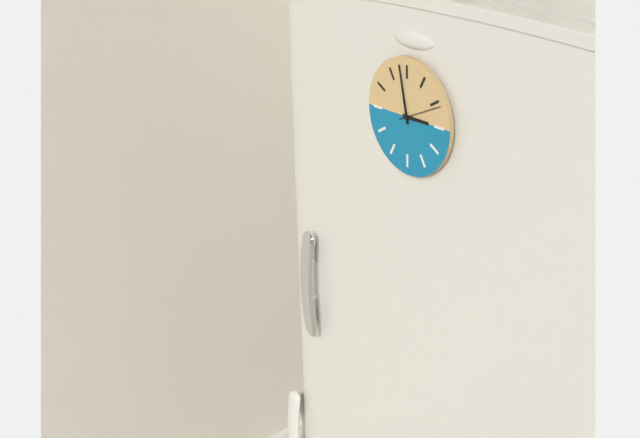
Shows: {"hour": 2, "minute": 58}
